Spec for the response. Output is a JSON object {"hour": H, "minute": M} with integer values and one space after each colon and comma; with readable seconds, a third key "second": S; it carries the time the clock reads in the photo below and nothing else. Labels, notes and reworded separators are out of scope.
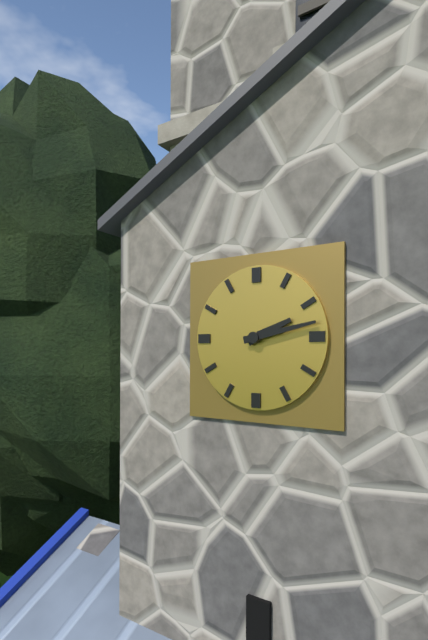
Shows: {"hour": 2, "minute": 13}
